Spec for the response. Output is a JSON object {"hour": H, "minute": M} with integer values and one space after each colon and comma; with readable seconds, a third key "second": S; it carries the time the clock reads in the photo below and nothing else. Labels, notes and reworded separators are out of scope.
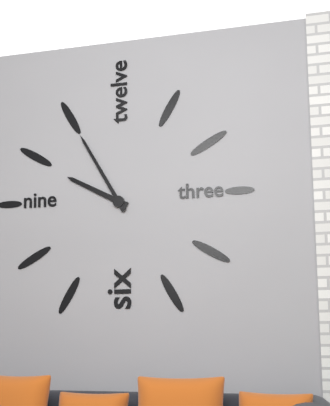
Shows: {"hour": 9, "minute": 55}
